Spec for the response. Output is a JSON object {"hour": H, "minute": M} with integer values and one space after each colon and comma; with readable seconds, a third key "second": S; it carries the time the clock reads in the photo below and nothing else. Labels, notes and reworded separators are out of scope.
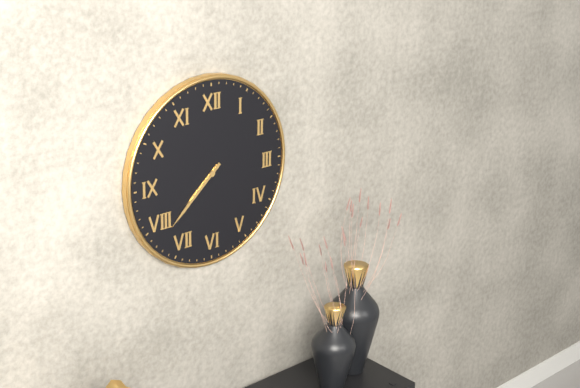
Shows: {"hour": 7, "minute": 38}
